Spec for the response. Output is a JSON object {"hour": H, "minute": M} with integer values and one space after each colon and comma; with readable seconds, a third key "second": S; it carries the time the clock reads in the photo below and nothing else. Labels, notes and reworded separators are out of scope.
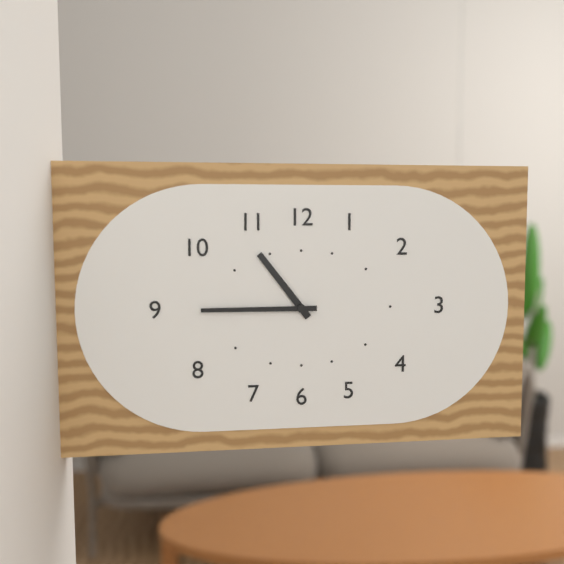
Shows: {"hour": 10, "minute": 45}
